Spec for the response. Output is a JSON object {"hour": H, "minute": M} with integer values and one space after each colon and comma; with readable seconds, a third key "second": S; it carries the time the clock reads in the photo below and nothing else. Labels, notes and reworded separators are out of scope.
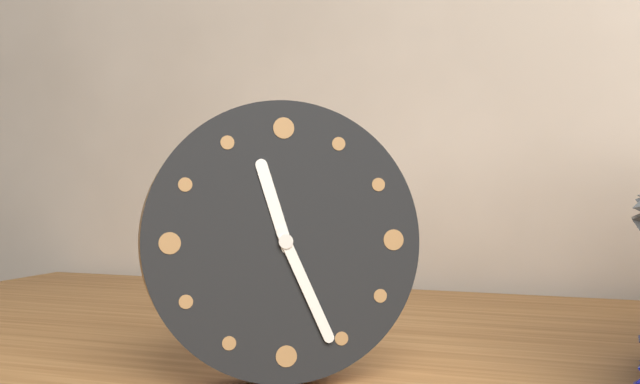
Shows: {"hour": 11, "minute": 26}
